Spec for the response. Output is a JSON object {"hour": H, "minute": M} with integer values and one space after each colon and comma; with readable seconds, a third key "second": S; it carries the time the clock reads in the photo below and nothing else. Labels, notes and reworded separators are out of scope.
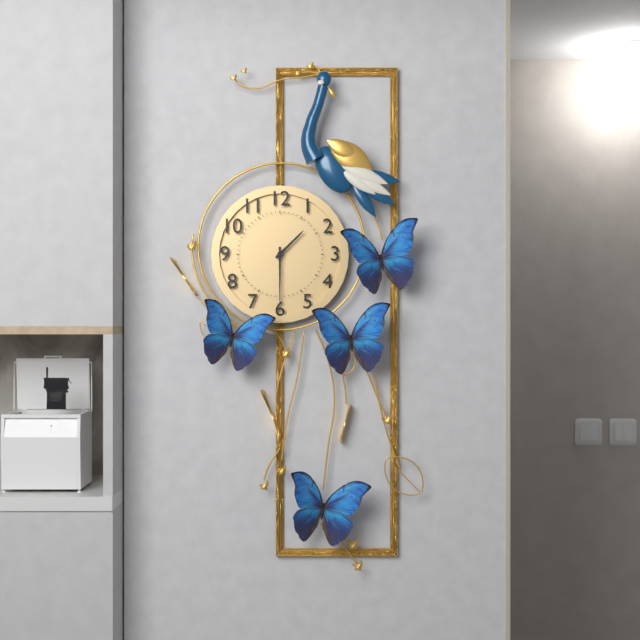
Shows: {"hour": 1, "minute": 30}
